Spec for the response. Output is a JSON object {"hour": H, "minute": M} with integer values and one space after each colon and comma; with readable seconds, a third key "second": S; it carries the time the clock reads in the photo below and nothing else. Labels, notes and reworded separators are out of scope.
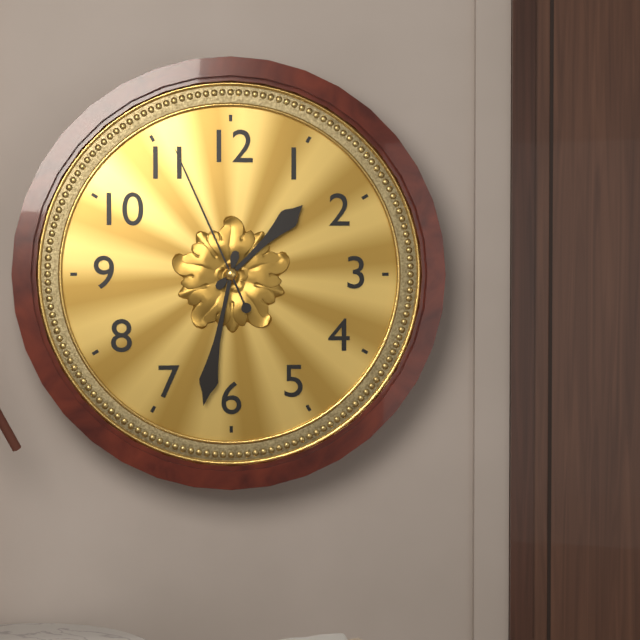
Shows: {"hour": 1, "minute": 32, "second": 56}
